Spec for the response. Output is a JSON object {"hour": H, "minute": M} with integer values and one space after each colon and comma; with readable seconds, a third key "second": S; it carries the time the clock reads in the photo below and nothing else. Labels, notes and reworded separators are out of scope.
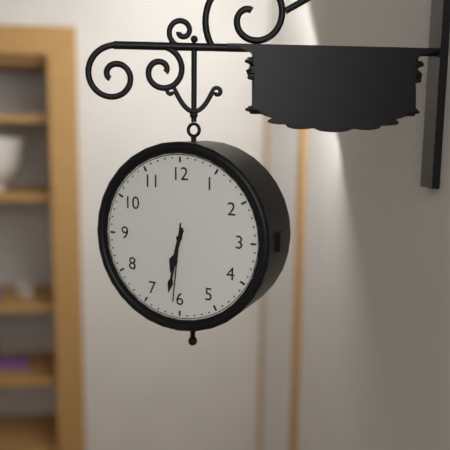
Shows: {"hour": 6, "minute": 32, "second": 31}
